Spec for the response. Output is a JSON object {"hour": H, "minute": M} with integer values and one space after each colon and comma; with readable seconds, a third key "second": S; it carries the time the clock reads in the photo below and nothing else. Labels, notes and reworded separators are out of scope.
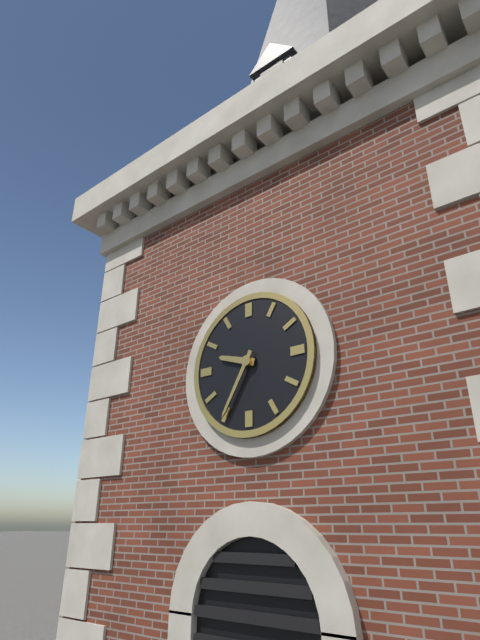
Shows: {"hour": 9, "minute": 35}
